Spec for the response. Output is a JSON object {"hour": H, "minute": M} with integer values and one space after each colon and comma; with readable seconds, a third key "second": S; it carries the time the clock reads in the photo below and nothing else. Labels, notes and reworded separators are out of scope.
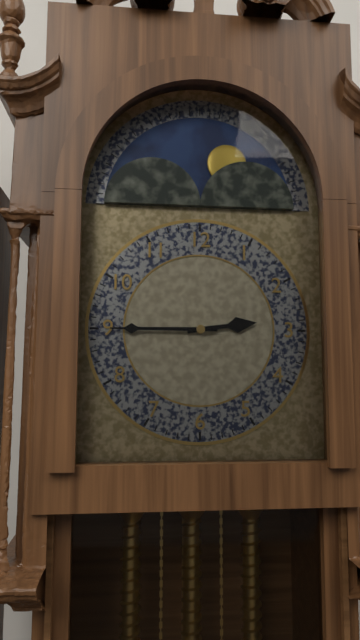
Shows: {"hour": 2, "minute": 45}
